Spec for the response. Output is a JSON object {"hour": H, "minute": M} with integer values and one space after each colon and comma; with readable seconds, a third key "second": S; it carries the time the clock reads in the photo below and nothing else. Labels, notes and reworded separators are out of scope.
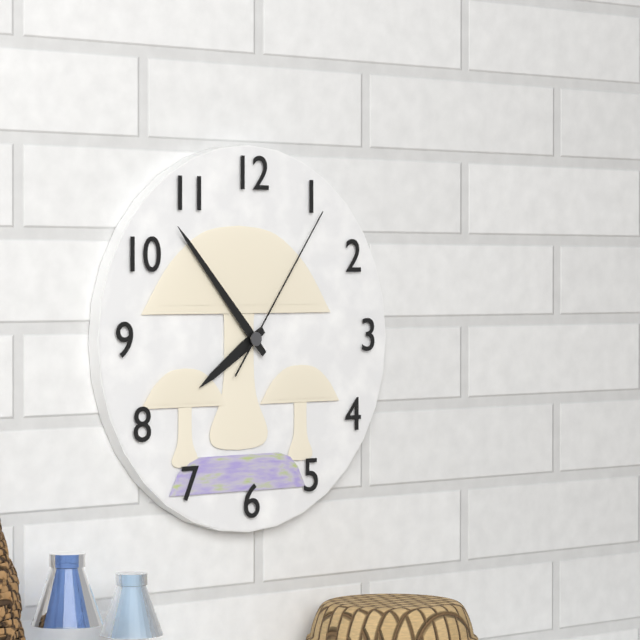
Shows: {"hour": 7, "minute": 53, "second": 6}
